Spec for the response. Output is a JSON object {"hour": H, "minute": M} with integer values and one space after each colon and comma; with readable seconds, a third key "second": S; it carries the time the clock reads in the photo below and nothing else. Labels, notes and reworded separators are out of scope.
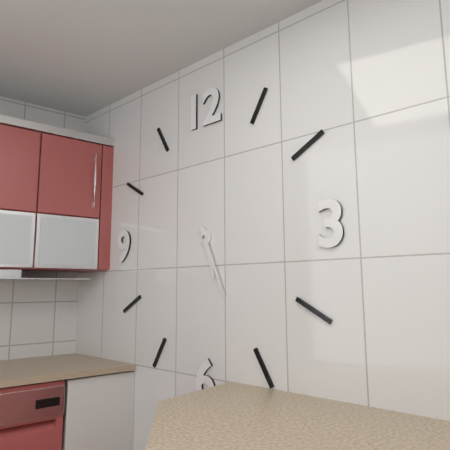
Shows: {"hour": 5, "minute": 26}
